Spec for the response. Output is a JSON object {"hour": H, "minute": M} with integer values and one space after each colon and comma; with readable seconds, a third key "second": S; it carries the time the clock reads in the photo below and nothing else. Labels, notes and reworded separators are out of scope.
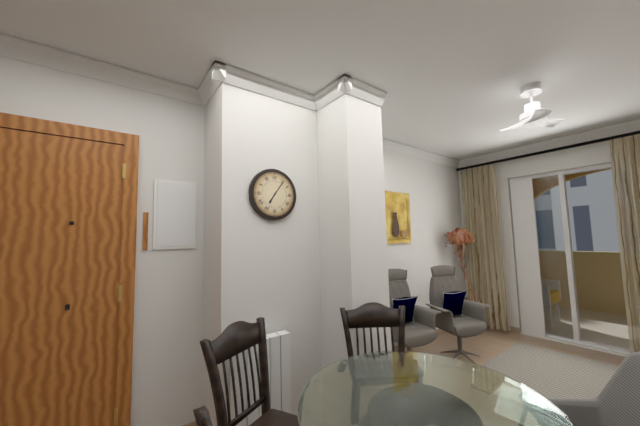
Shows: {"hour": 7, "minute": 6}
